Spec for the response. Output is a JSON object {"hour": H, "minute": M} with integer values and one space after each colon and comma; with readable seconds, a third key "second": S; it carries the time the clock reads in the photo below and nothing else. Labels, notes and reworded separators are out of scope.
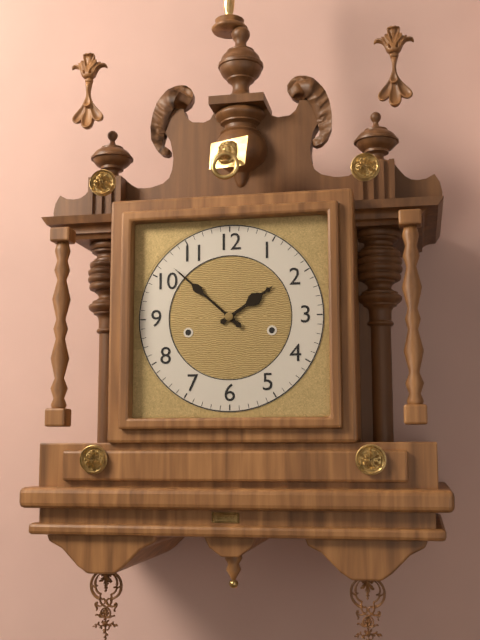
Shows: {"hour": 1, "minute": 52}
